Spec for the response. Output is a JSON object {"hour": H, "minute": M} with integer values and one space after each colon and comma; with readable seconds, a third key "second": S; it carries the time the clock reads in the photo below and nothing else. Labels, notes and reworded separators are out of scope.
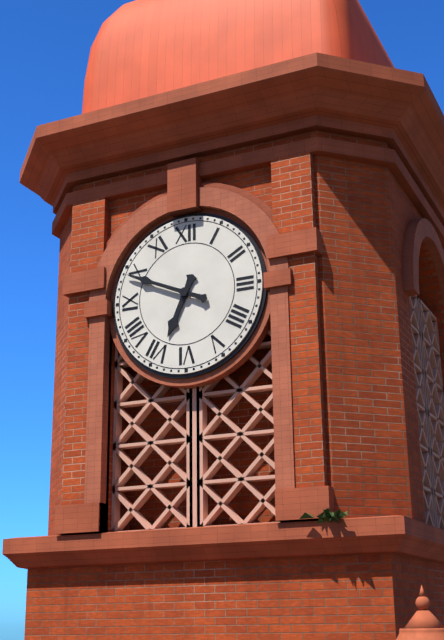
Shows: {"hour": 6, "minute": 49}
